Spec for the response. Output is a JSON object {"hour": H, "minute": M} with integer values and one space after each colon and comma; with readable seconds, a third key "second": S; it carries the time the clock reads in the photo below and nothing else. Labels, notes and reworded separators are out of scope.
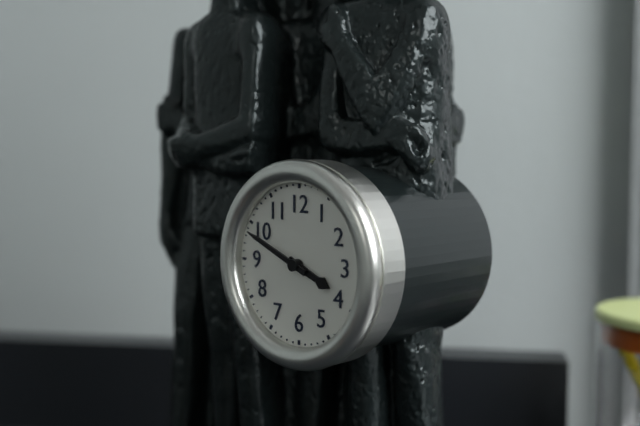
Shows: {"hour": 3, "minute": 49}
